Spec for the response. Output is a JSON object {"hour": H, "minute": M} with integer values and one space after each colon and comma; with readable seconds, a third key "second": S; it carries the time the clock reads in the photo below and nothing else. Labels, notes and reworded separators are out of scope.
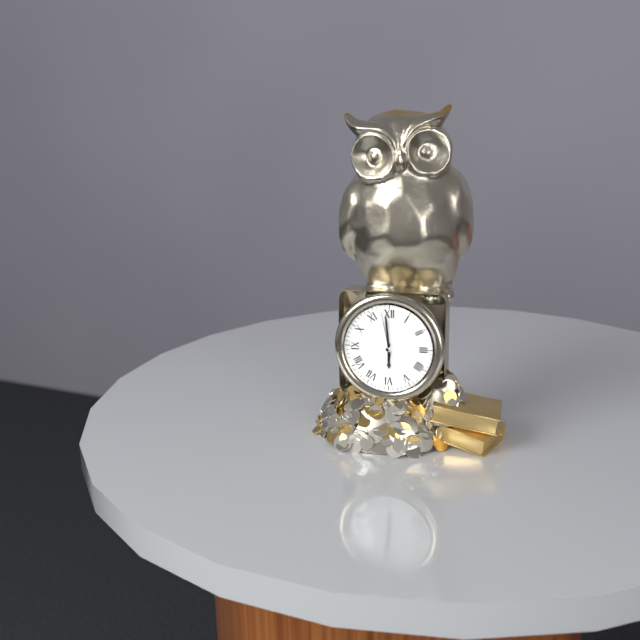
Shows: {"hour": 5, "minute": 59}
